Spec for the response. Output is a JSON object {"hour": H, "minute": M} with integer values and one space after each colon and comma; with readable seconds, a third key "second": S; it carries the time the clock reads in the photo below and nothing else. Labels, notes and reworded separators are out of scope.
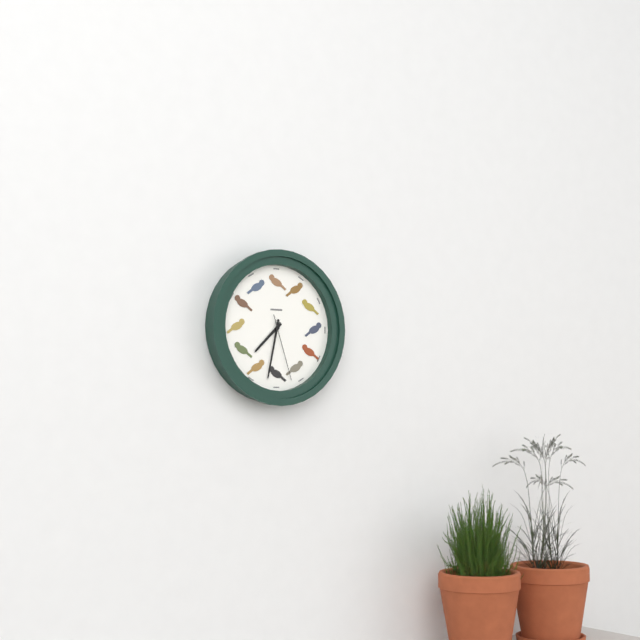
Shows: {"hour": 7, "minute": 32, "second": 27}
